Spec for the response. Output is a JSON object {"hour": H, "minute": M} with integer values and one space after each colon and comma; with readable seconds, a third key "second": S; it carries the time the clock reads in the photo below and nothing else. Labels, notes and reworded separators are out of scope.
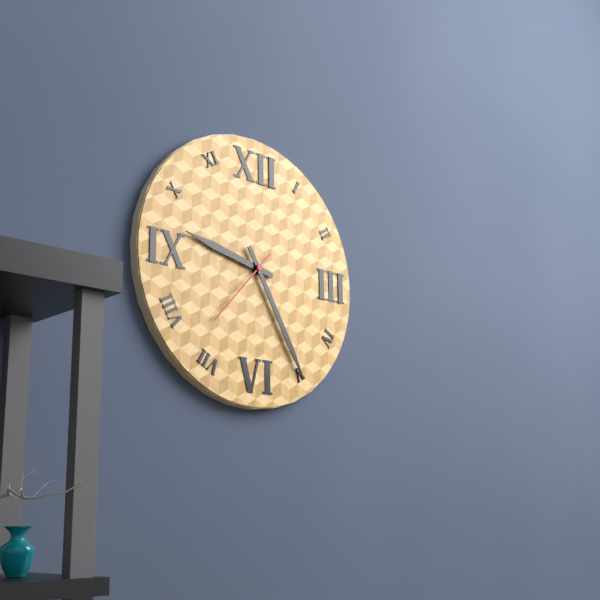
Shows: {"hour": 9, "minute": 25, "second": 37}
